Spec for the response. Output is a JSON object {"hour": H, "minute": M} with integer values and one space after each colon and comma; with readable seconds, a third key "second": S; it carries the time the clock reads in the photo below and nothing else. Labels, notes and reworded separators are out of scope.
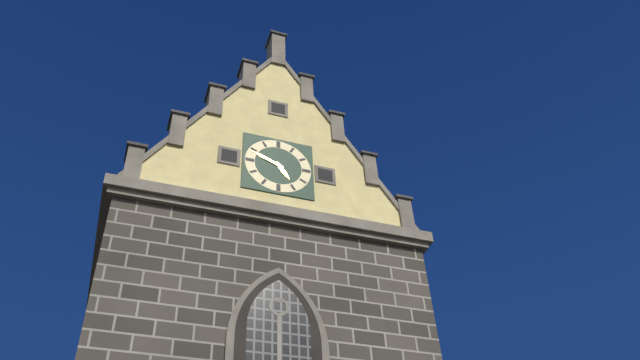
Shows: {"hour": 4, "minute": 49}
